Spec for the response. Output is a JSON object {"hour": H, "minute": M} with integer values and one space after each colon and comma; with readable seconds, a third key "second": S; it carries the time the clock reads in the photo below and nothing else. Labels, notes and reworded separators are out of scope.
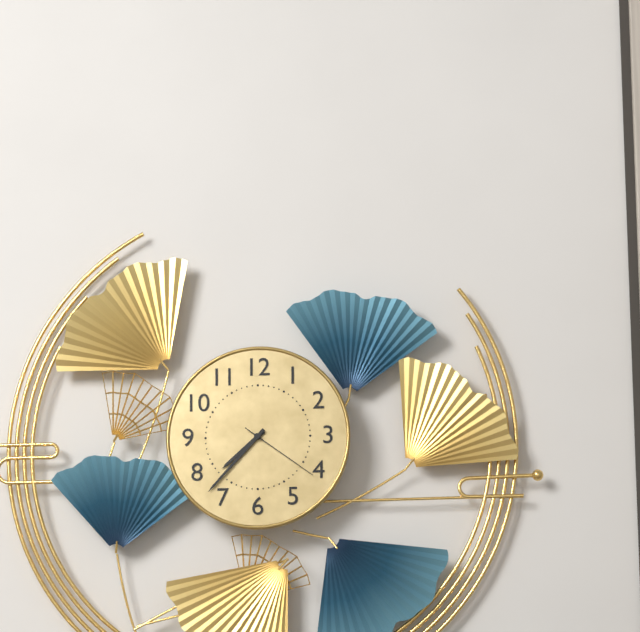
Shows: {"hour": 7, "minute": 37, "second": 21}
